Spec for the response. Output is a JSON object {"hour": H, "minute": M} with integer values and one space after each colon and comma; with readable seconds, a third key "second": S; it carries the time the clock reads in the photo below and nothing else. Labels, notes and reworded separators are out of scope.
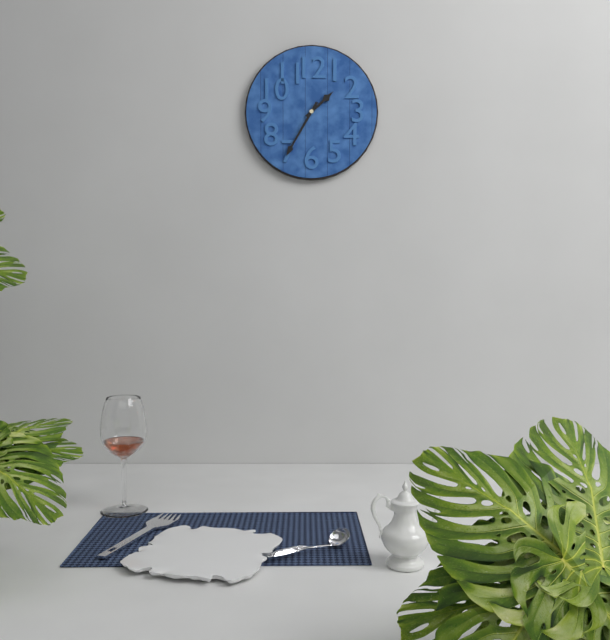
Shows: {"hour": 1, "minute": 35}
